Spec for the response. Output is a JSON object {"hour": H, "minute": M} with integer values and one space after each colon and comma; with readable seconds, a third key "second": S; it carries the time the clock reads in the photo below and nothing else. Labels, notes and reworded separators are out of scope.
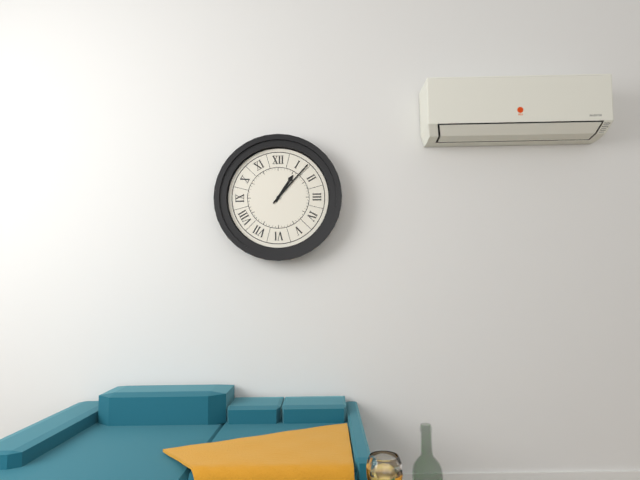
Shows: {"hour": 1, "minute": 7}
